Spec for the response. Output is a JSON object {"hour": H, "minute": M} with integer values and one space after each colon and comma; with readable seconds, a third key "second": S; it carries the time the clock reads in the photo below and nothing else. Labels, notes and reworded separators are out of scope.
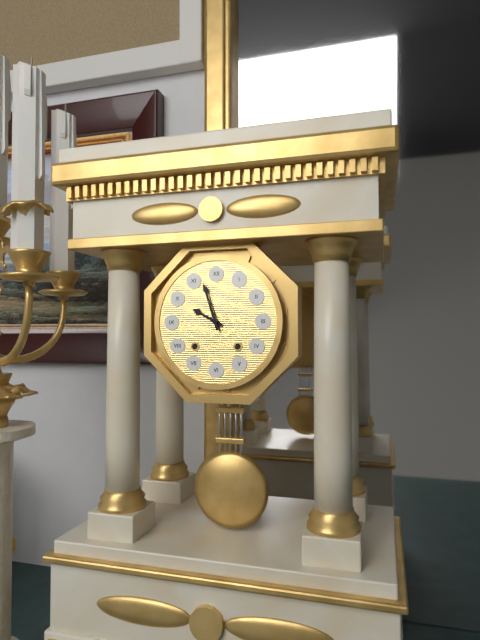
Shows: {"hour": 9, "minute": 57}
